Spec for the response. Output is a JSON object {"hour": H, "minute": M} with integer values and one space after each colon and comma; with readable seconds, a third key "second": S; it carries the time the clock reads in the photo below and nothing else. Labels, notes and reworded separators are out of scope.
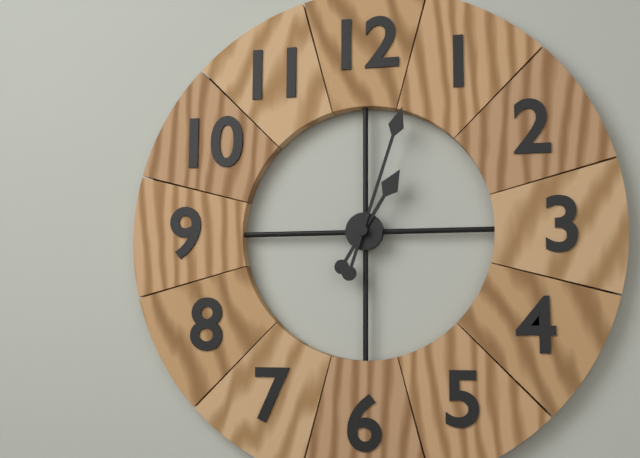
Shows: {"hour": 1, "minute": 3}
